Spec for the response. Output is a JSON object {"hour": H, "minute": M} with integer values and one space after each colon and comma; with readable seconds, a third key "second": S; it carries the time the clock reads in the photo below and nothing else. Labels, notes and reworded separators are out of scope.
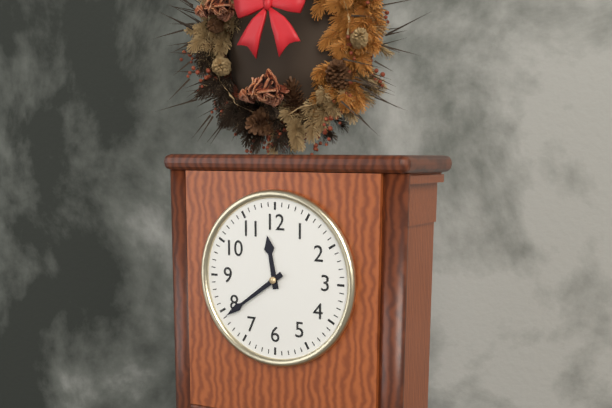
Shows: {"hour": 11, "minute": 39}
